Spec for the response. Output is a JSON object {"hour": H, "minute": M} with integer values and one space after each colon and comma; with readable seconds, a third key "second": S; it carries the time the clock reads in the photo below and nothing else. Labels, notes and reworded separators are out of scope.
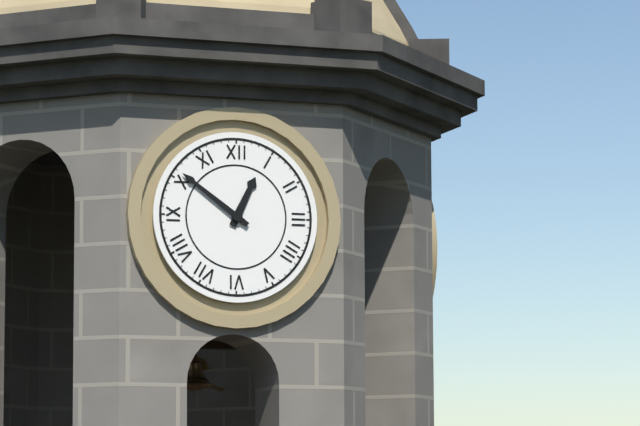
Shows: {"hour": 12, "minute": 51}
